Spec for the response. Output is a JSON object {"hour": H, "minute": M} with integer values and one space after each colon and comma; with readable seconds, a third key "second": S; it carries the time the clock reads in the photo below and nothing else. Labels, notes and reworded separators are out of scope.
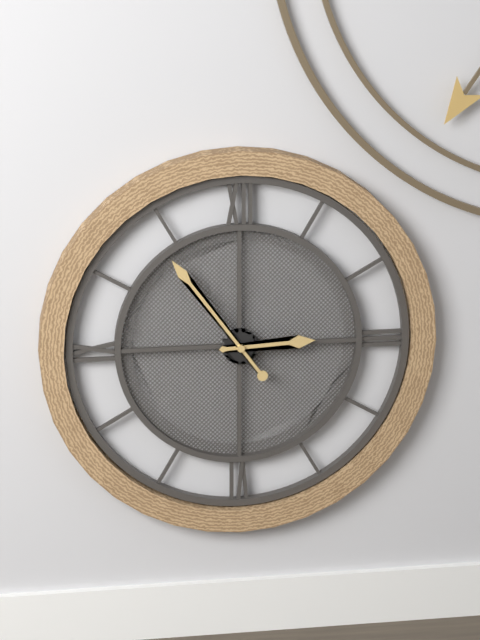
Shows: {"hour": 2, "minute": 54}
